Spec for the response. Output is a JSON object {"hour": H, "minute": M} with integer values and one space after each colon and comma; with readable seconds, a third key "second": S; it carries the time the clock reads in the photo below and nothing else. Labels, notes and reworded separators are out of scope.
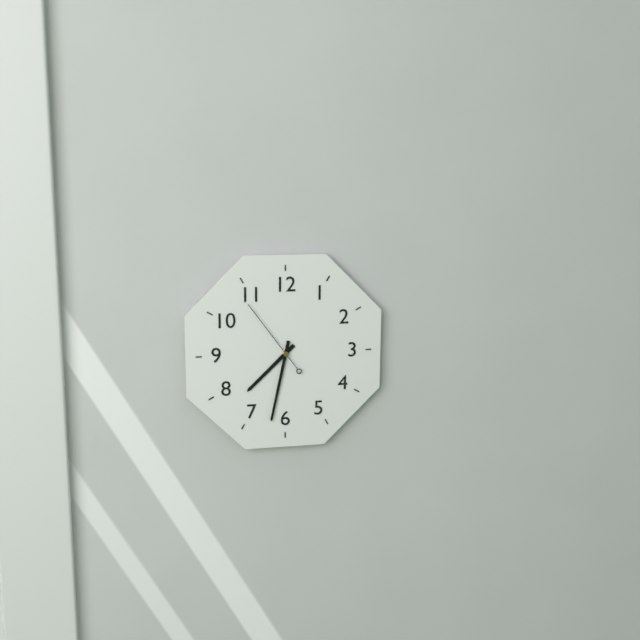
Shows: {"hour": 7, "minute": 32, "second": 54}
